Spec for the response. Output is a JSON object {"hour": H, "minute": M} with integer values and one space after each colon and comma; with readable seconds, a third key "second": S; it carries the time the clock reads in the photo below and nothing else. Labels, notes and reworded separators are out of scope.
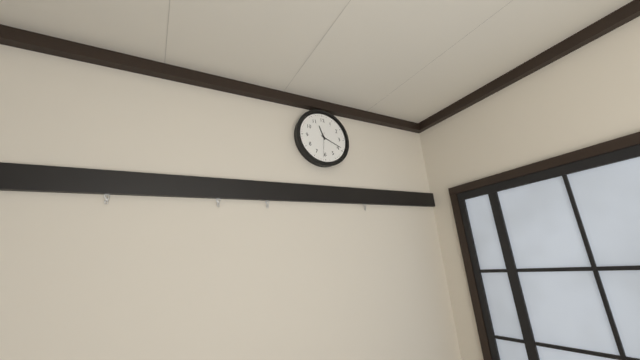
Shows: {"hour": 11, "minute": 19}
